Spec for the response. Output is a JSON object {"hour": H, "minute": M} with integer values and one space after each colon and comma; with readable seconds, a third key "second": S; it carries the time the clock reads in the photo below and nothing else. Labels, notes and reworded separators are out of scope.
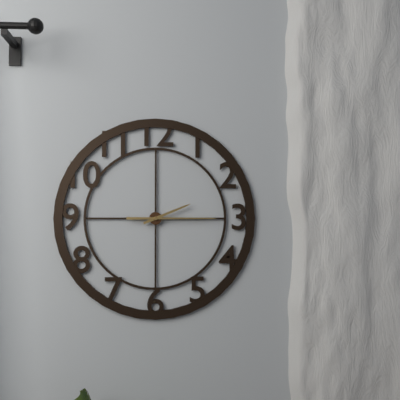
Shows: {"hour": 2, "minute": 15}
